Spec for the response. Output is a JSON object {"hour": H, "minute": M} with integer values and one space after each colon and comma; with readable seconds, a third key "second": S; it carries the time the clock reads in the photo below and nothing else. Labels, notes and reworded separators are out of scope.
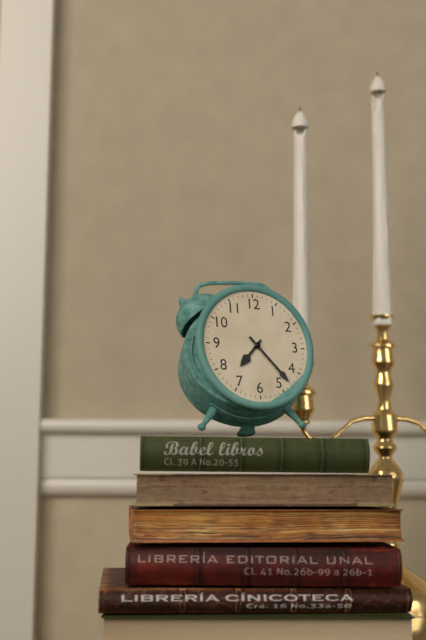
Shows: {"hour": 7, "minute": 23}
